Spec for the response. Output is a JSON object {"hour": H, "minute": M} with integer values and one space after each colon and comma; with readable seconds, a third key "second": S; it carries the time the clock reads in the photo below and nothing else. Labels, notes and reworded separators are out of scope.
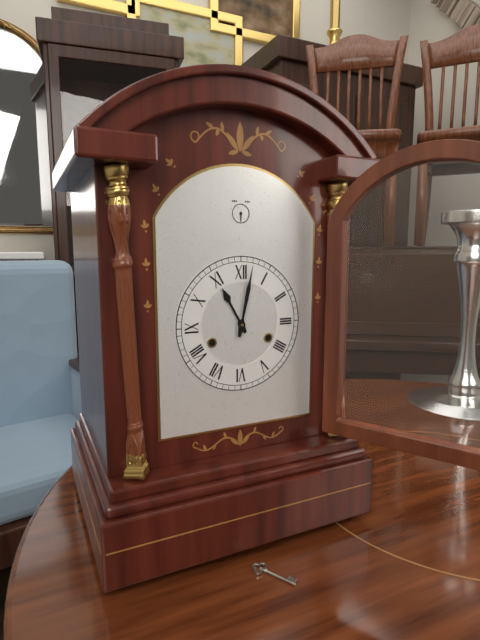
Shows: {"hour": 11, "minute": 2}
